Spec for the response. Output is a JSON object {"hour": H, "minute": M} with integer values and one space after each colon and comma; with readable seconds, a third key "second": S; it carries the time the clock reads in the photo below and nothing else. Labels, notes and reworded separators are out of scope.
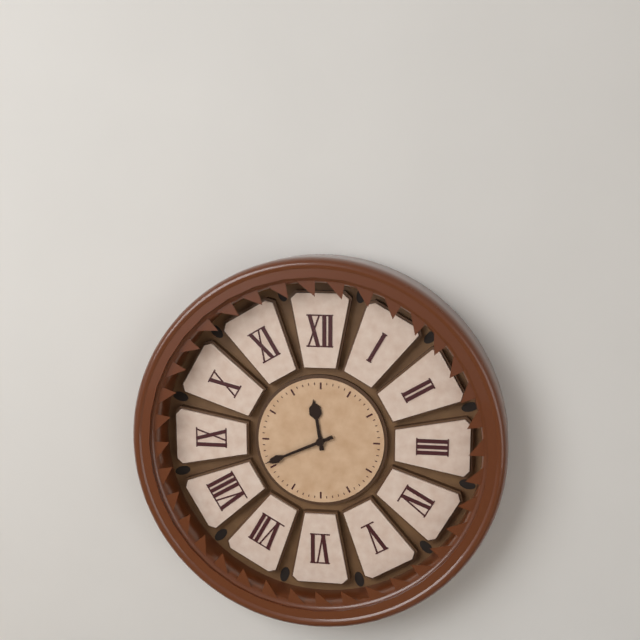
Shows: {"hour": 11, "minute": 41}
